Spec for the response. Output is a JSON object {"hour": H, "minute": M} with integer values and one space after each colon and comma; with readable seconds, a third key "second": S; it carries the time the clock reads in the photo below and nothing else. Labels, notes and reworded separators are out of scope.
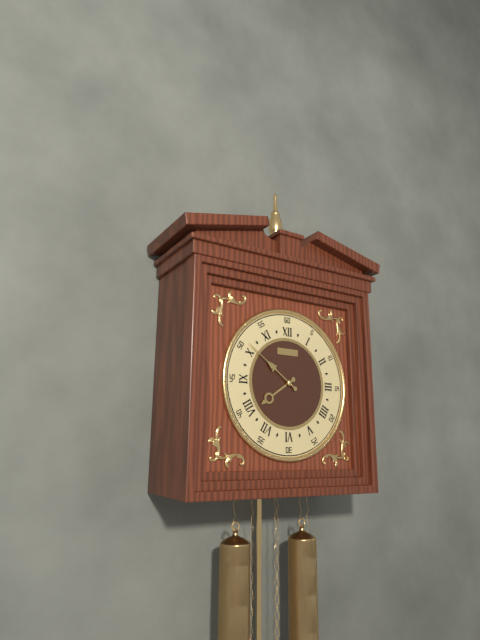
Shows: {"hour": 7, "minute": 51}
